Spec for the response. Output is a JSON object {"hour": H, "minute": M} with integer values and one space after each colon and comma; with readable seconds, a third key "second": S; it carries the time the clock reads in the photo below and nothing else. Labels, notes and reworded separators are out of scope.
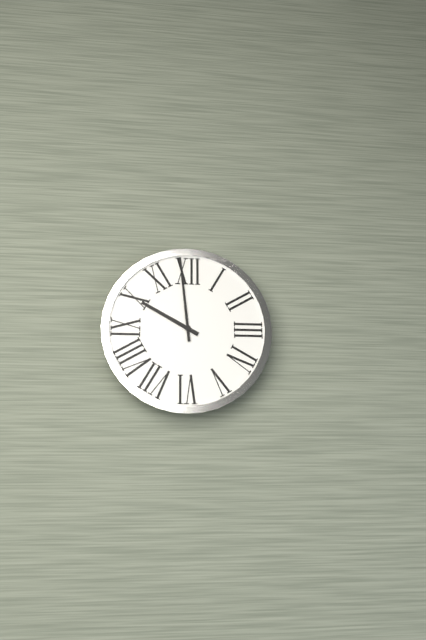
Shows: {"hour": 9, "minute": 59}
